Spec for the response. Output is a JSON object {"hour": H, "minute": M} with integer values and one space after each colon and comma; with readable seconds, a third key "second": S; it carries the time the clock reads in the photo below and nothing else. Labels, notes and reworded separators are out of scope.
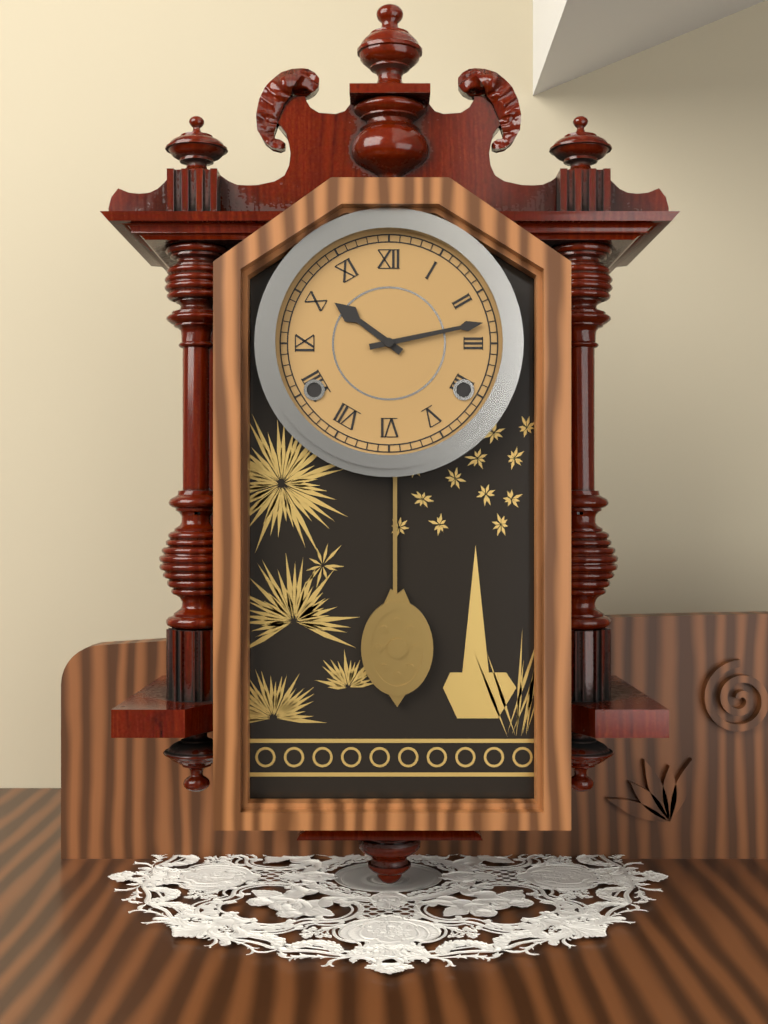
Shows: {"hour": 10, "minute": 13}
